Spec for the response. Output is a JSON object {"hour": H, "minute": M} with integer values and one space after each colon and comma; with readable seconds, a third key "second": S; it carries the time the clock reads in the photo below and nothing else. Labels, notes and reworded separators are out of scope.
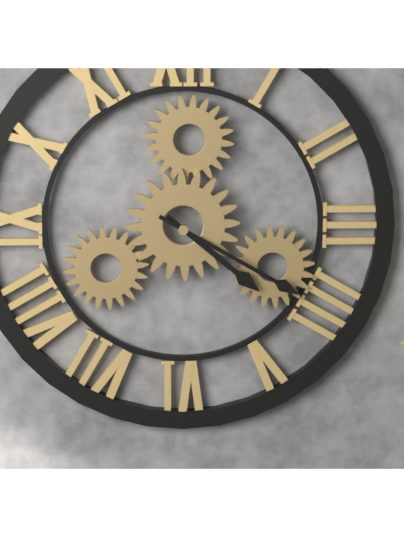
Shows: {"hour": 4, "minute": 20}
